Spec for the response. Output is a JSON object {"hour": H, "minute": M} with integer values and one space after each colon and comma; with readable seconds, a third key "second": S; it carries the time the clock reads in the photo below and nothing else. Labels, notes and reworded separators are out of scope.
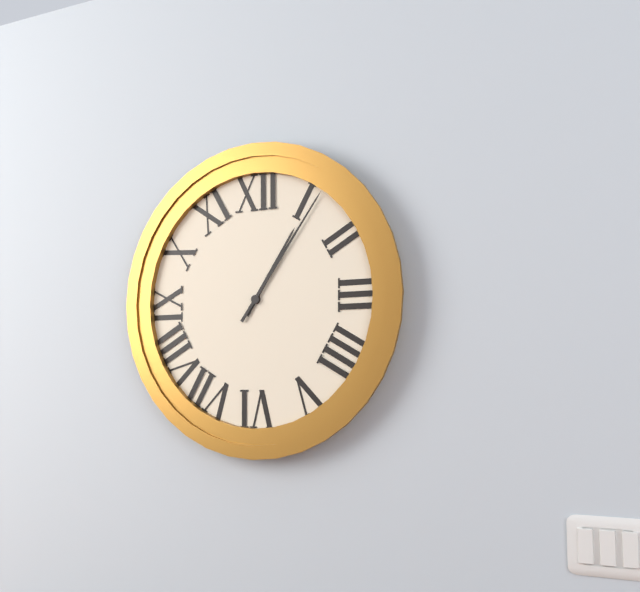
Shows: {"hour": 1, "minute": 6}
